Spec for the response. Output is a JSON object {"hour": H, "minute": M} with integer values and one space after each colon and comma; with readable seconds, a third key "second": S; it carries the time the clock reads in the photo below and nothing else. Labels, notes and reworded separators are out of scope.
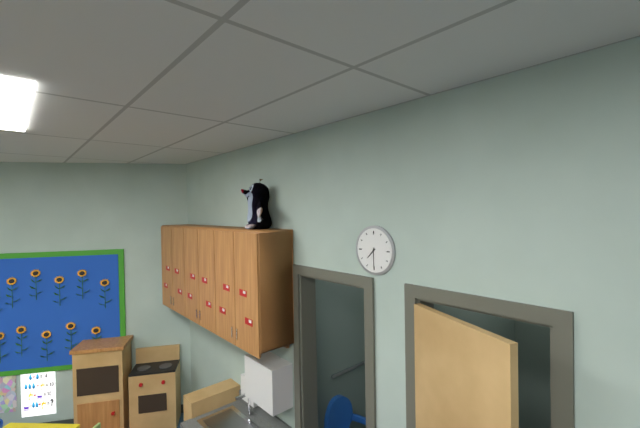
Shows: {"hour": 7, "minute": 30}
